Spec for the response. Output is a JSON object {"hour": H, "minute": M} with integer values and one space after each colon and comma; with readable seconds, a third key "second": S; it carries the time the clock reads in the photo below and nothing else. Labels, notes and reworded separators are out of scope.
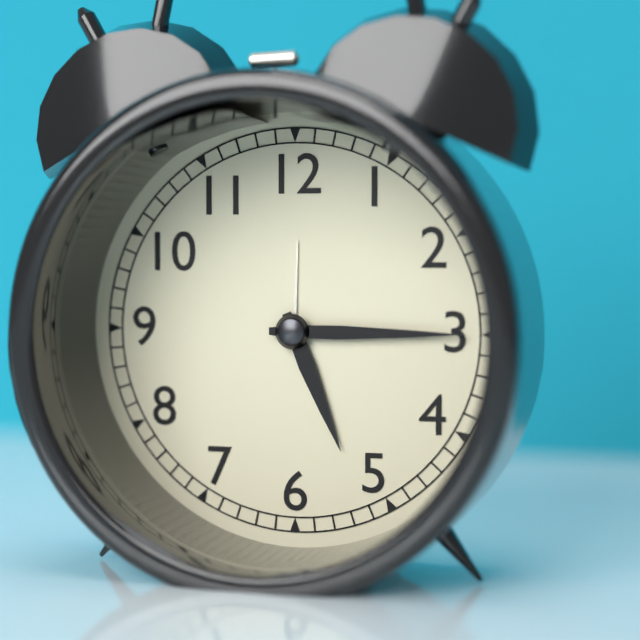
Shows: {"hour": 5, "minute": 15}
